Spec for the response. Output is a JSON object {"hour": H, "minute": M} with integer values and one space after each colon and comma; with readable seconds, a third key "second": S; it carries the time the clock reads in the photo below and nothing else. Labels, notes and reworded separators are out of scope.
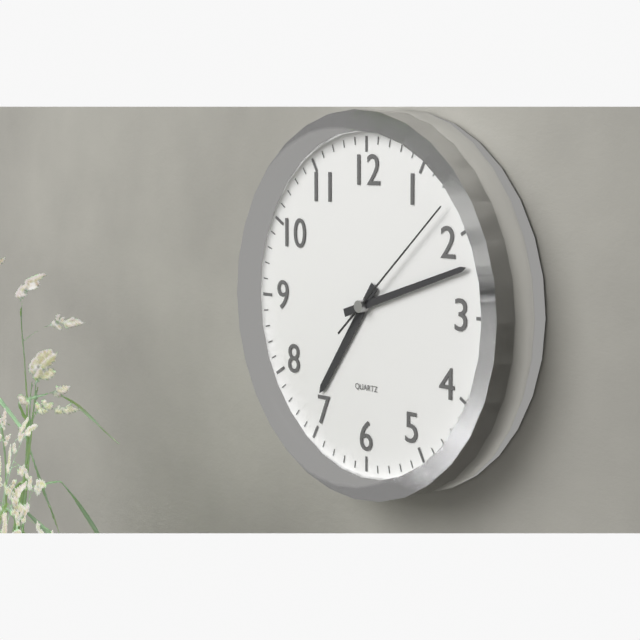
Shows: {"hour": 7, "minute": 12, "second": 8}
